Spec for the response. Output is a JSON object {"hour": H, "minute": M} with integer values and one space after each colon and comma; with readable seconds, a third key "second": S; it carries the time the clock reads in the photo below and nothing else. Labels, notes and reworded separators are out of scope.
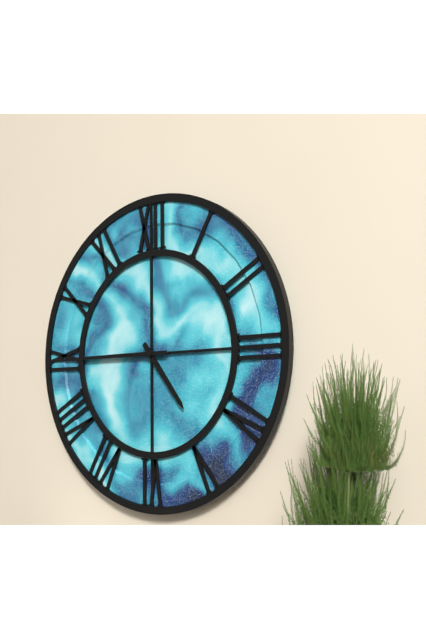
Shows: {"hour": 4, "minute": 45}
